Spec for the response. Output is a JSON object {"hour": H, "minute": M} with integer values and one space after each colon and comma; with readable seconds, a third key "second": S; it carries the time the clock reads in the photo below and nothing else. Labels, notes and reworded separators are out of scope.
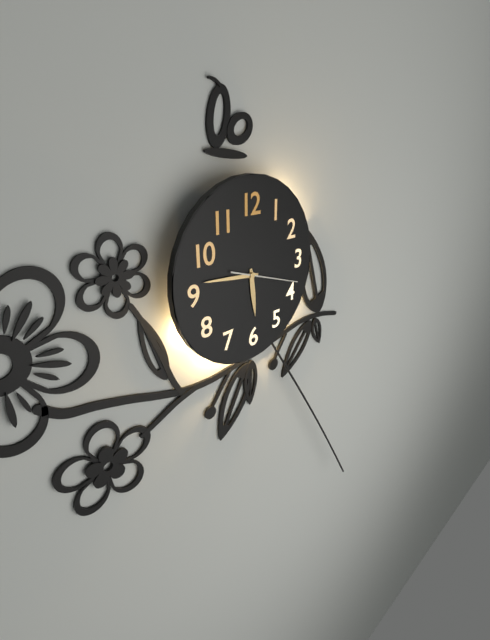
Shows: {"hour": 5, "minute": 46, "second": 18}
